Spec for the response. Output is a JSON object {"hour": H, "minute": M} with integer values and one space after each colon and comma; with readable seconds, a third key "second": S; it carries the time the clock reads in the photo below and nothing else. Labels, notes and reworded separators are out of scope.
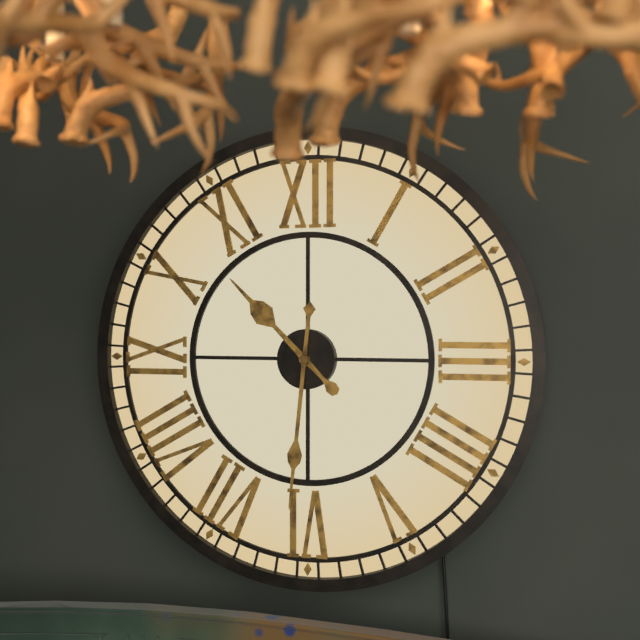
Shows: {"hour": 10, "minute": 31}
